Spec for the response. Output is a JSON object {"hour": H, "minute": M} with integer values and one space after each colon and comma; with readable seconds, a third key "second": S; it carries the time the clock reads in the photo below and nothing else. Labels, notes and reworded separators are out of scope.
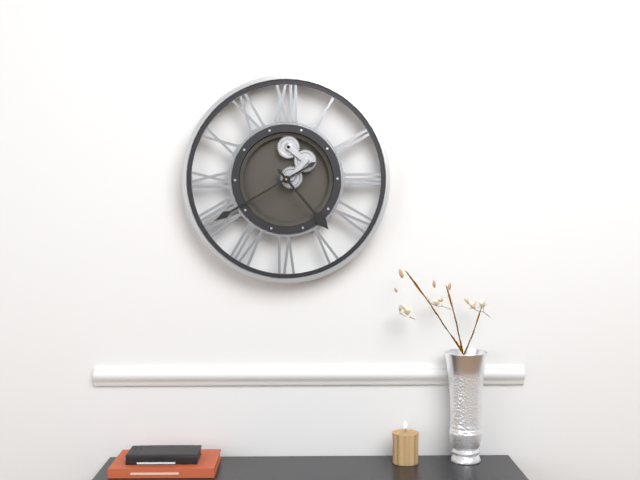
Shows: {"hour": 4, "minute": 40}
